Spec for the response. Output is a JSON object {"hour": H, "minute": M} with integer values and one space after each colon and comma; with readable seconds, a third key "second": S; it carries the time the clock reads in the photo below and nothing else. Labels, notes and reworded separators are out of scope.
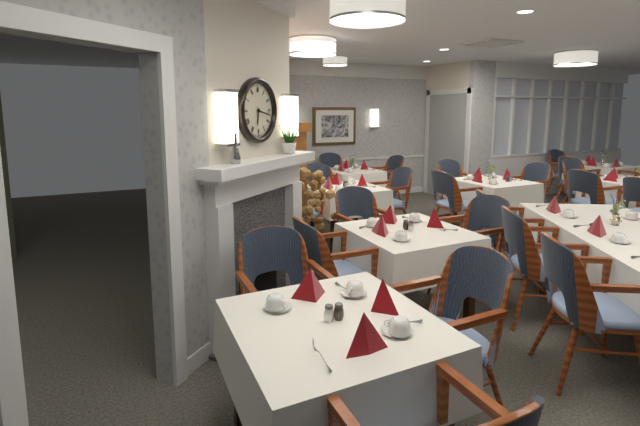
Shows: {"hour": 6, "minute": 17}
